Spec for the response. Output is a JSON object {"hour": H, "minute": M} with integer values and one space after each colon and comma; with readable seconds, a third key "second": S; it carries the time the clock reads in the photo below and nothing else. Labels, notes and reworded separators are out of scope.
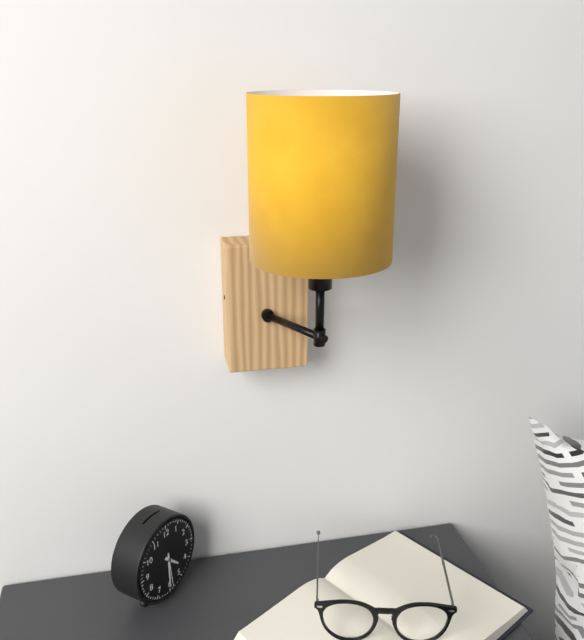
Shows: {"hour": 4, "minute": 30}
